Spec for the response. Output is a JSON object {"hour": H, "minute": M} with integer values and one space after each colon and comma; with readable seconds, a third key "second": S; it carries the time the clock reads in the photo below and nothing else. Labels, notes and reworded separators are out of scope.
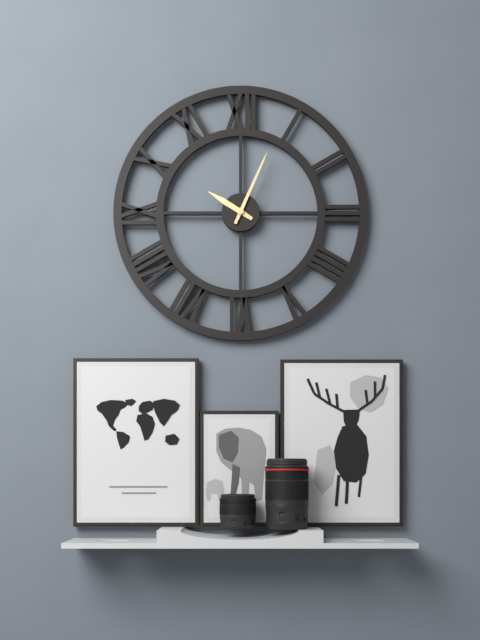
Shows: {"hour": 10, "minute": 4}
